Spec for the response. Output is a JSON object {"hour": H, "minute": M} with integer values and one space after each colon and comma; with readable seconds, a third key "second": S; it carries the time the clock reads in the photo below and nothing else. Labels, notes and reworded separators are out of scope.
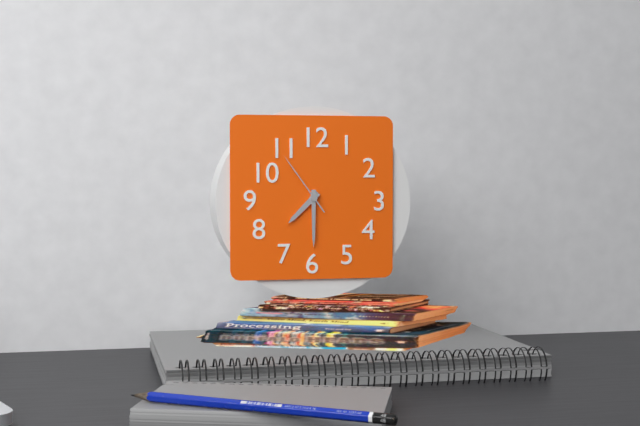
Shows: {"hour": 7, "minute": 30, "second": 54}
